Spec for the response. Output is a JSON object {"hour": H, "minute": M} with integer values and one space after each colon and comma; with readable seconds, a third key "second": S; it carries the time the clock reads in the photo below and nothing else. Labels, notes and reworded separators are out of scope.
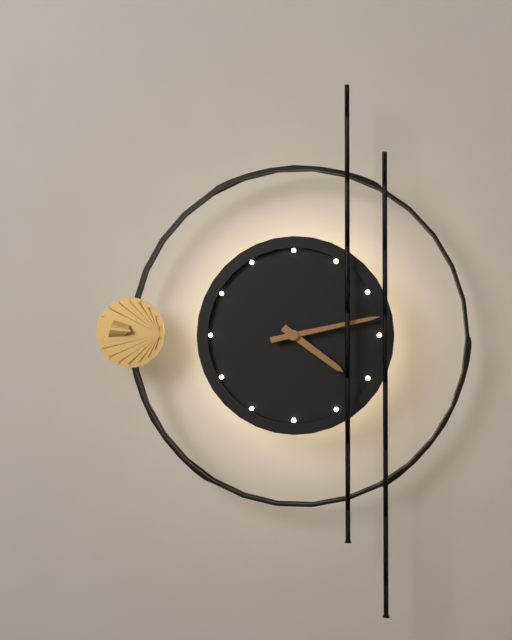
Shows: {"hour": 4, "minute": 13}
